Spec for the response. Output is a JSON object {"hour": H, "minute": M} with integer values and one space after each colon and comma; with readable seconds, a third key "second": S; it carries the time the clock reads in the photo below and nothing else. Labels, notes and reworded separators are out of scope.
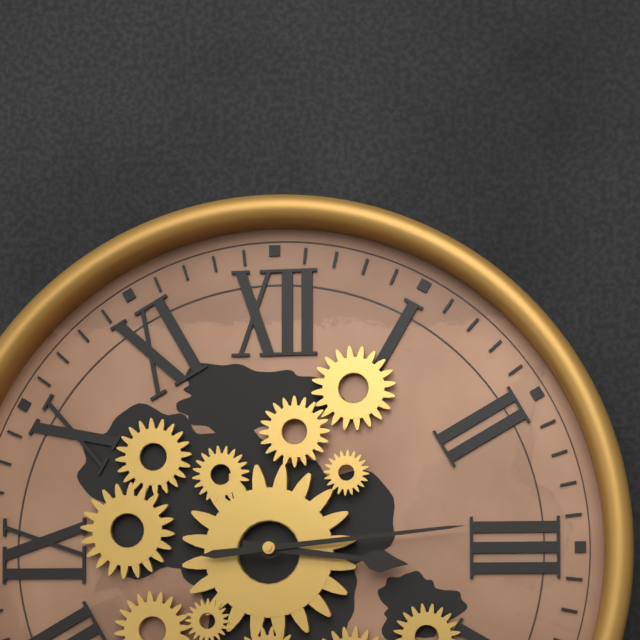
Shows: {"hour": 3, "minute": 14}
